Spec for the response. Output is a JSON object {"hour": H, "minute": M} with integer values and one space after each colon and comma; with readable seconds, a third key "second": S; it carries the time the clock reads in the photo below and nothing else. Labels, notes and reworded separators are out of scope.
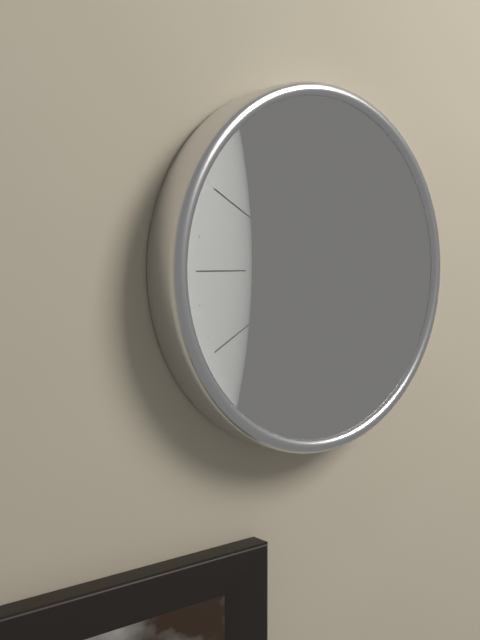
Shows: {"hour": 2, "minute": 21}
